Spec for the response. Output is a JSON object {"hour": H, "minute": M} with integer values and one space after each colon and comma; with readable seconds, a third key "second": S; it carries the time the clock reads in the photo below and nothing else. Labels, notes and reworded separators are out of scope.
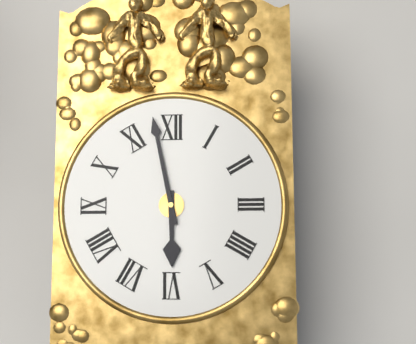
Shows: {"hour": 5, "minute": 58}
